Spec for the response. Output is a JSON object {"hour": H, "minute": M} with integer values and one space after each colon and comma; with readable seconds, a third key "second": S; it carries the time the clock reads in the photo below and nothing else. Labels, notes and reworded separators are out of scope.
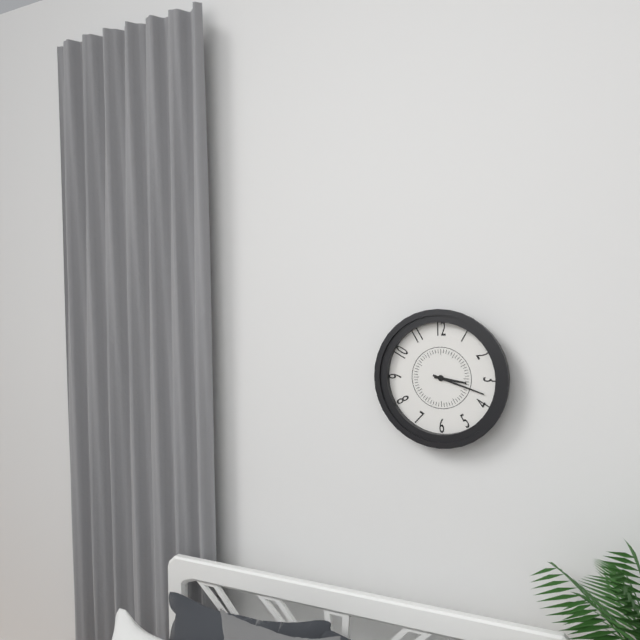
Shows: {"hour": 3, "minute": 18}
